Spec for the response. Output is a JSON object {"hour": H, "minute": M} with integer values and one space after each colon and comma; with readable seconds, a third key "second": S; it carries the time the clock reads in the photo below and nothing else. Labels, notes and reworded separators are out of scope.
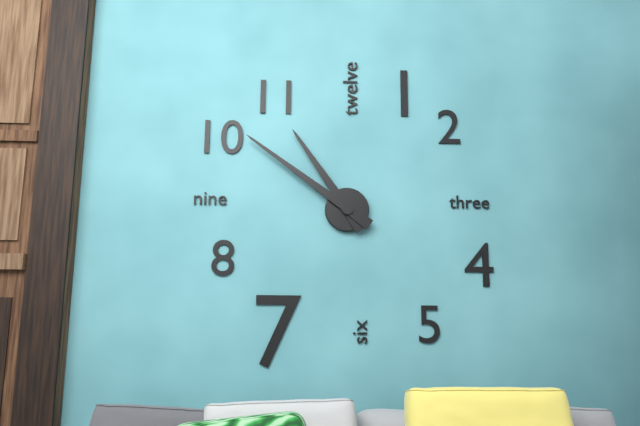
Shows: {"hour": 10, "minute": 51}
